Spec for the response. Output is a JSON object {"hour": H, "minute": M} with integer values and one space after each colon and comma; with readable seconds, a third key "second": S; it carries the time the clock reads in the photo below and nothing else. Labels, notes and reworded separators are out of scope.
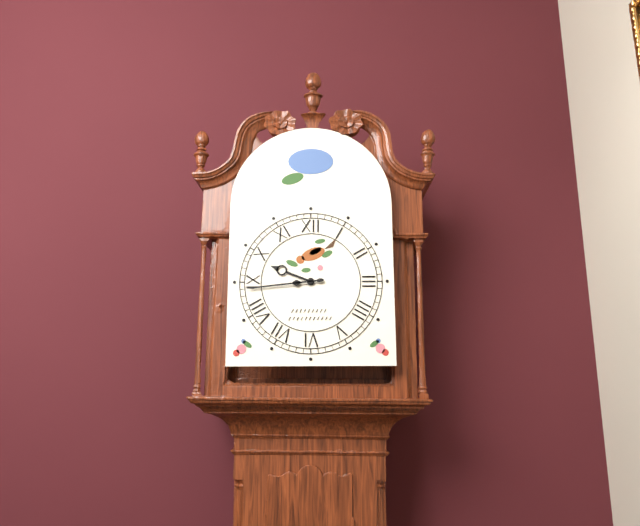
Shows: {"hour": 9, "minute": 44}
